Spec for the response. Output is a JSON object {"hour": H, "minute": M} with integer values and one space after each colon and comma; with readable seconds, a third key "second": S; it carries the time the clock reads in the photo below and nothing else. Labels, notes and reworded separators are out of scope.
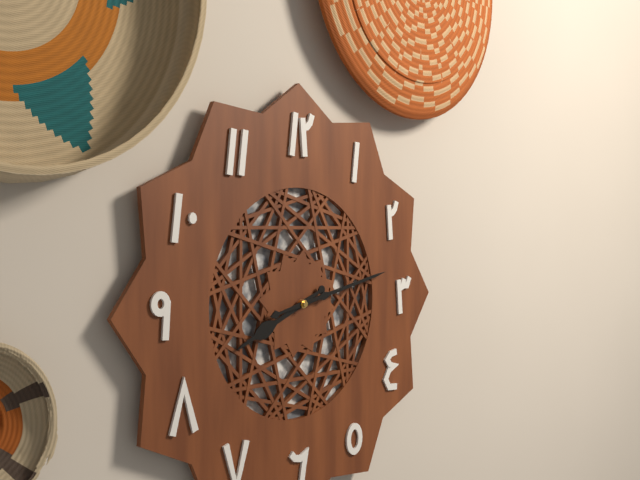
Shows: {"hour": 8, "minute": 13}
